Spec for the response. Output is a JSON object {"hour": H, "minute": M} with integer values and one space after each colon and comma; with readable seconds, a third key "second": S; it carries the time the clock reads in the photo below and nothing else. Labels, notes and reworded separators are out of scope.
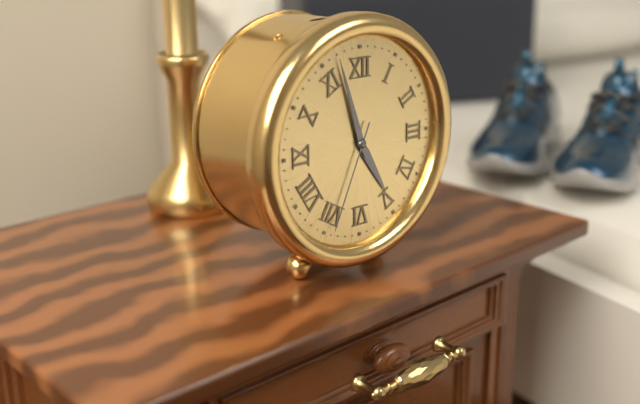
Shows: {"hour": 4, "minute": 57, "second": 34}
